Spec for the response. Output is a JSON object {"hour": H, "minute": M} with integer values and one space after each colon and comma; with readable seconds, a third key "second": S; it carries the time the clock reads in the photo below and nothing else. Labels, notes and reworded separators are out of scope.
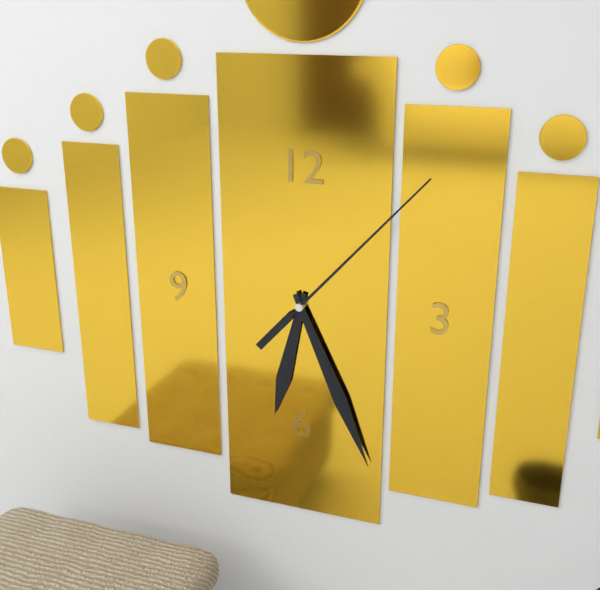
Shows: {"hour": 6, "minute": 26, "second": 7}
